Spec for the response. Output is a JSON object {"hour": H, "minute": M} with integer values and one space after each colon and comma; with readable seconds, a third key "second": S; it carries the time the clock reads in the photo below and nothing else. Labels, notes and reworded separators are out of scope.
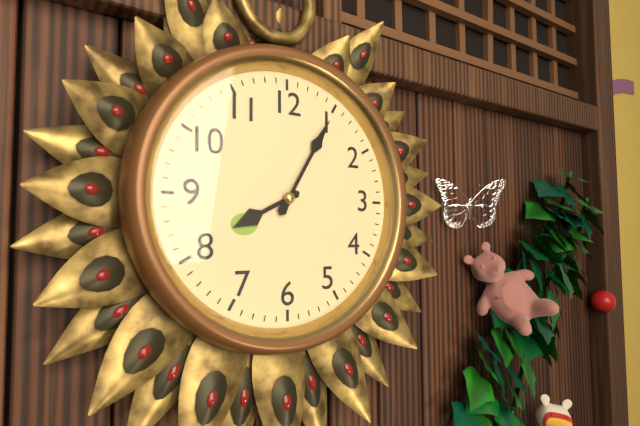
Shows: {"hour": 8, "minute": 5}
